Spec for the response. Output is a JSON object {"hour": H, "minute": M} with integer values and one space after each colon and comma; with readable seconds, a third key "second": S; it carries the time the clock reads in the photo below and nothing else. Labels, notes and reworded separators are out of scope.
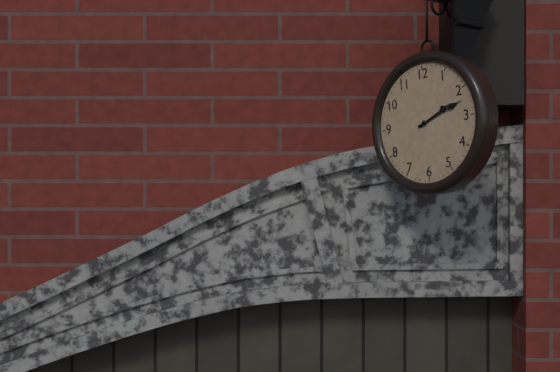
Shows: {"hour": 2, "minute": 12}
